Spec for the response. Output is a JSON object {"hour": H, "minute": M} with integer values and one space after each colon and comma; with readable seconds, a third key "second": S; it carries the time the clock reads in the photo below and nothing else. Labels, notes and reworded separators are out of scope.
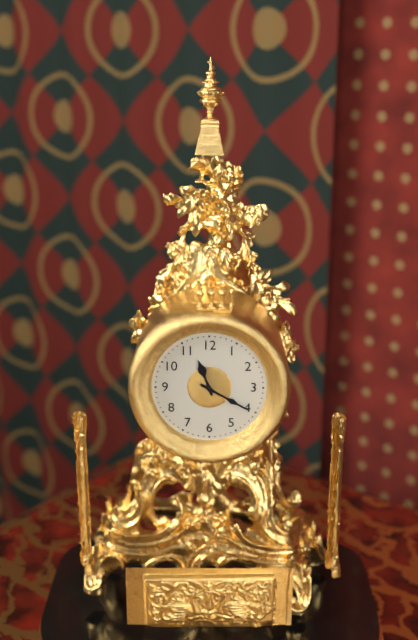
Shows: {"hour": 11, "minute": 20}
